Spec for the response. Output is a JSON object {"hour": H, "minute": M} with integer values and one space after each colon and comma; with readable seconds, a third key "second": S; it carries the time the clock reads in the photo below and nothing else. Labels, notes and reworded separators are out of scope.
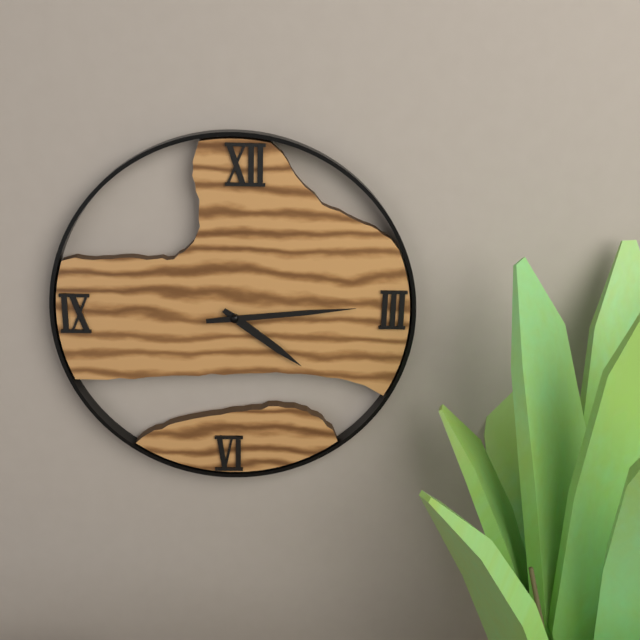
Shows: {"hour": 4, "minute": 14}
